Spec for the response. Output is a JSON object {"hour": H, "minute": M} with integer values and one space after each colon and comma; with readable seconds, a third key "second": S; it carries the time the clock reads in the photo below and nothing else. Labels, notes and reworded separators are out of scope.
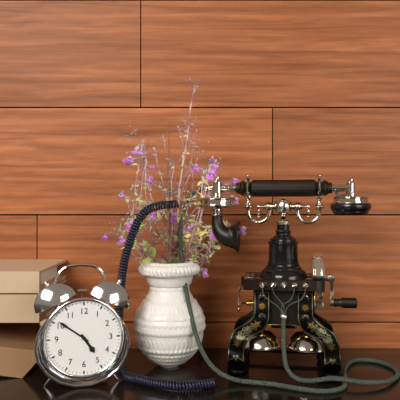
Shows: {"hour": 4, "minute": 51}
